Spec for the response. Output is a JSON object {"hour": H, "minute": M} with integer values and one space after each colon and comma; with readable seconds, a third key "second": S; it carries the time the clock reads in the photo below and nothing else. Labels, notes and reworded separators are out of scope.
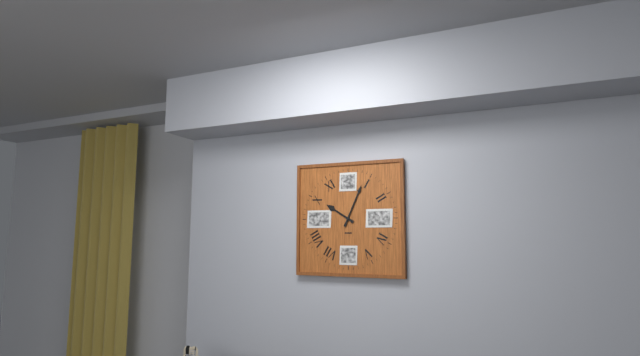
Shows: {"hour": 10, "minute": 4}
